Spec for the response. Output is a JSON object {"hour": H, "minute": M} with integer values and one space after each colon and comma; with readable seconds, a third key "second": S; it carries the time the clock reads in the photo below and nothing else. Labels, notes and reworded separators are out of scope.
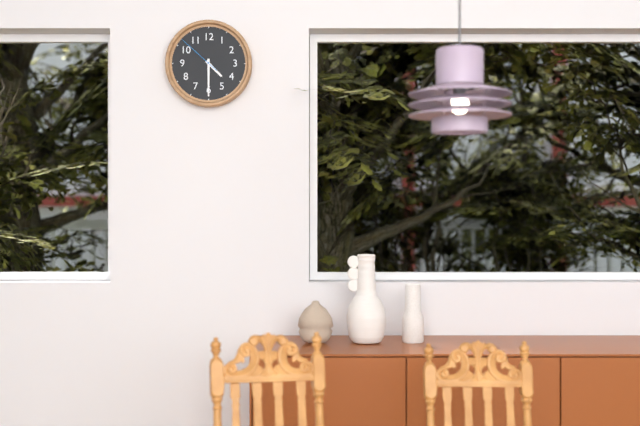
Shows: {"hour": 4, "minute": 30}
